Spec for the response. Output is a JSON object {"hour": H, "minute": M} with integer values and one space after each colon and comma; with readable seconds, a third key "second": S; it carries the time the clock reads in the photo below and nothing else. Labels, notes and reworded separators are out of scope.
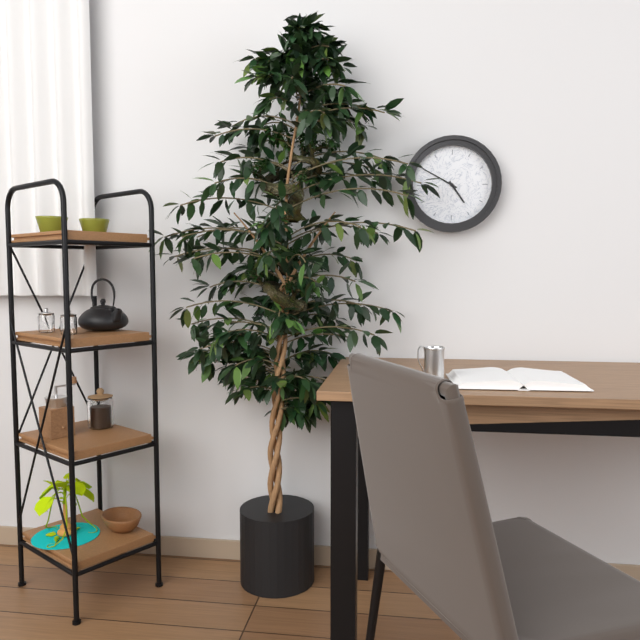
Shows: {"hour": 4, "minute": 50}
